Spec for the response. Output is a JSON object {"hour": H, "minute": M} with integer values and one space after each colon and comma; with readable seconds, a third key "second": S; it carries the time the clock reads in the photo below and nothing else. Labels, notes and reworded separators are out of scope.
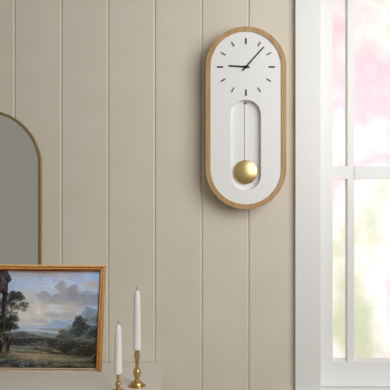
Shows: {"hour": 9, "minute": 7}
